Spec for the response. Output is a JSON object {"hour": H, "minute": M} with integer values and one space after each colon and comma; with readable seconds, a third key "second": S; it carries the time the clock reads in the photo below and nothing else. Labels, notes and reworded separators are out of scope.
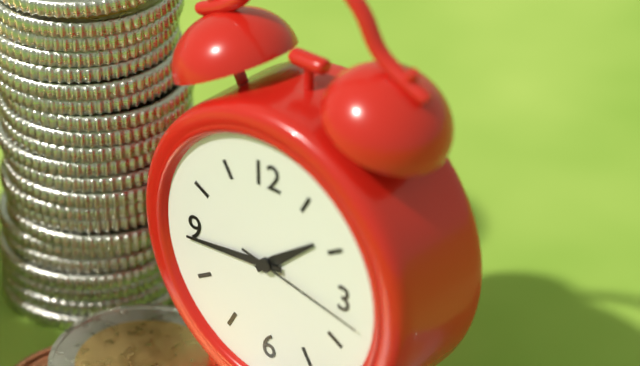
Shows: {"hour": 1, "minute": 44, "second": 17}
